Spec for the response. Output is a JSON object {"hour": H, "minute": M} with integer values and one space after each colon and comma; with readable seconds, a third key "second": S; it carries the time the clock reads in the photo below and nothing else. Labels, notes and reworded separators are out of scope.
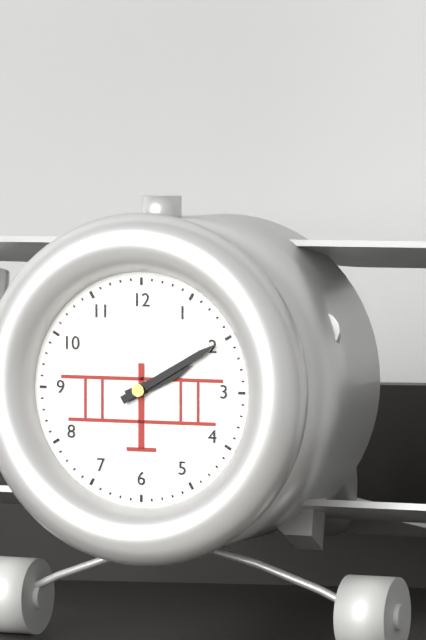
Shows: {"hour": 2, "minute": 10}
